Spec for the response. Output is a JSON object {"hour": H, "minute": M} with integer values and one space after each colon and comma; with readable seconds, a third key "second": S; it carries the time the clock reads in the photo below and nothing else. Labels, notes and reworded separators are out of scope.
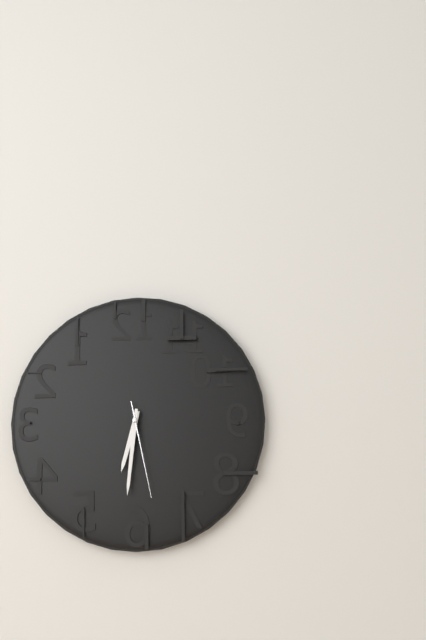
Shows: {"hour": 6, "minute": 31, "second": 28}
